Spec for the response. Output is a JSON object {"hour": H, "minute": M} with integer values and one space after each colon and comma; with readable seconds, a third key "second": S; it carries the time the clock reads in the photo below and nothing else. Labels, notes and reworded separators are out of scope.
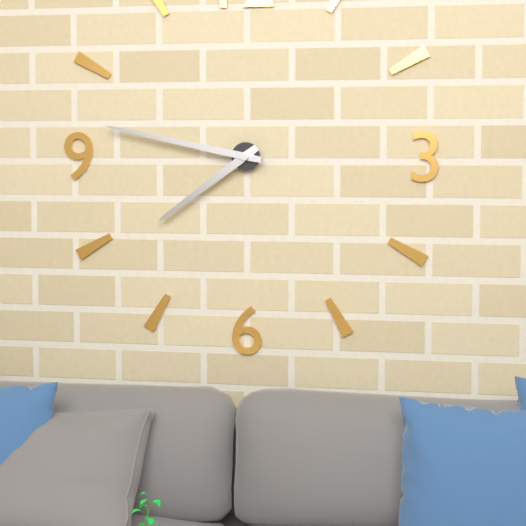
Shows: {"hour": 7, "minute": 47}
